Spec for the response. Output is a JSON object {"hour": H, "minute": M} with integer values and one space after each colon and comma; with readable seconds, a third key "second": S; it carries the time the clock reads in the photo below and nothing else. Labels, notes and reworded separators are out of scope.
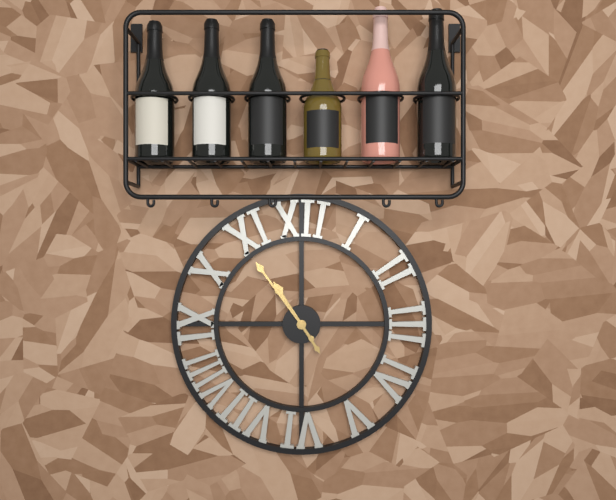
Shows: {"hour": 10, "minute": 54}
